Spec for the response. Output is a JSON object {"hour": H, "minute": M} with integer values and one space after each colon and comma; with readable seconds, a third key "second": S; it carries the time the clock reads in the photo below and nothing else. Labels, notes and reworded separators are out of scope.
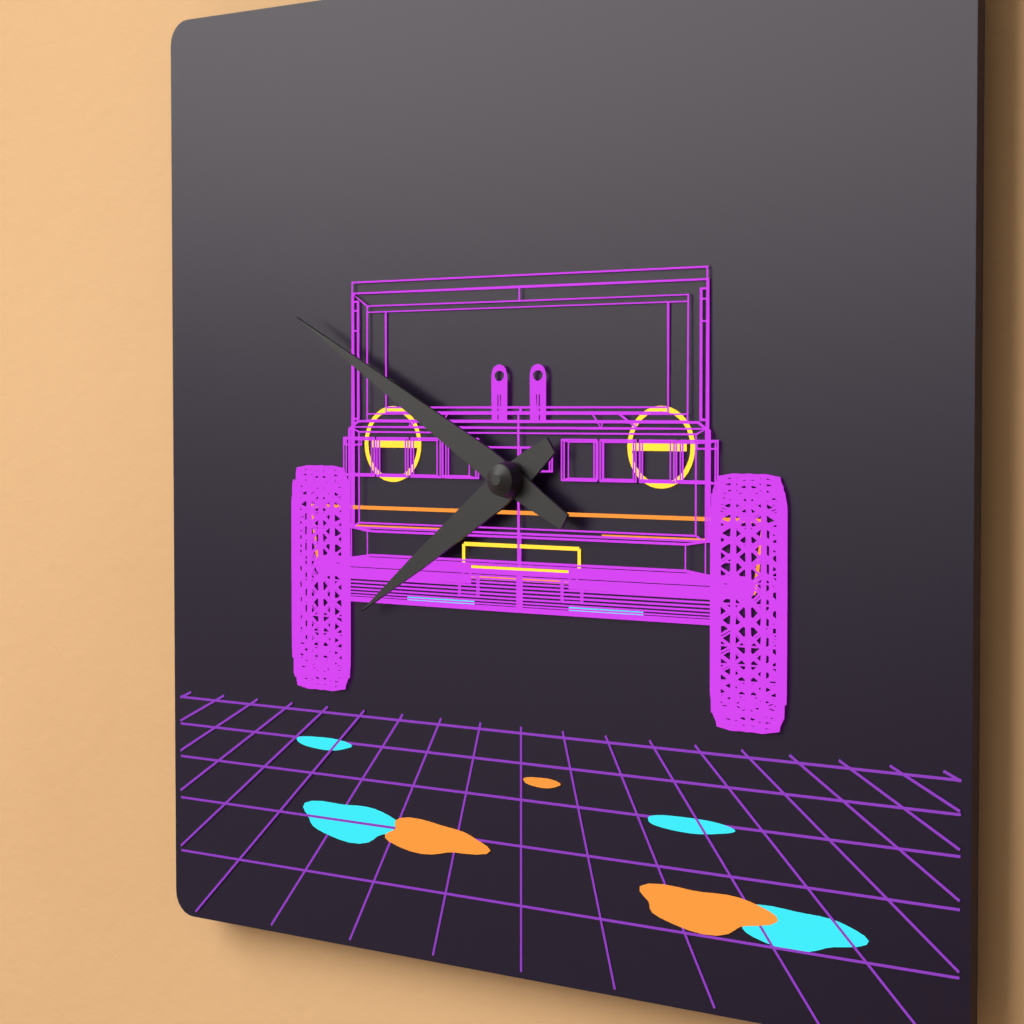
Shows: {"hour": 7, "minute": 50}
